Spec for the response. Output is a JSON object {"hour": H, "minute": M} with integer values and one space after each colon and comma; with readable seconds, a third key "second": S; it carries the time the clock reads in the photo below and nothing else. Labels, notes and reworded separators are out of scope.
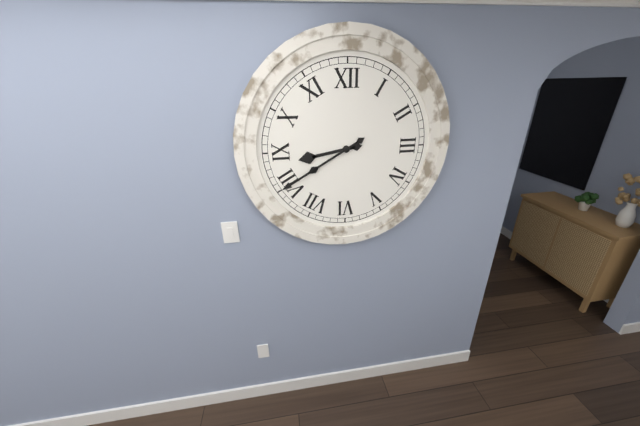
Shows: {"hour": 8, "minute": 40}
